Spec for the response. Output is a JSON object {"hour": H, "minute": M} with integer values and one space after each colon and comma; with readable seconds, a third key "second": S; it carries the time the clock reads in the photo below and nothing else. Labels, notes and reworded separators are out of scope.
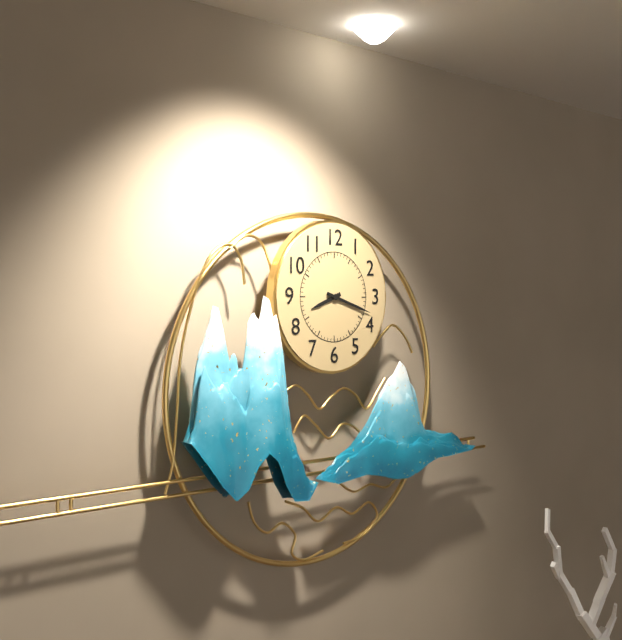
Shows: {"hour": 8, "minute": 18}
